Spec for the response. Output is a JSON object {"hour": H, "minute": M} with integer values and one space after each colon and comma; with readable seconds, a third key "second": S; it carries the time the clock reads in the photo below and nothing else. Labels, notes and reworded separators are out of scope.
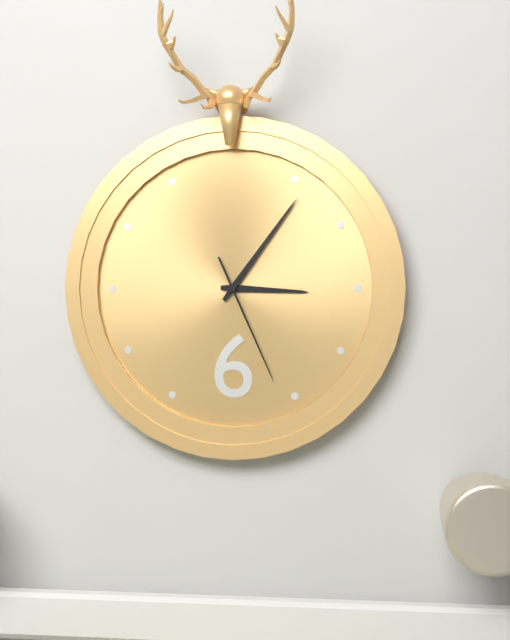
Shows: {"hour": 3, "minute": 6, "second": 26}
